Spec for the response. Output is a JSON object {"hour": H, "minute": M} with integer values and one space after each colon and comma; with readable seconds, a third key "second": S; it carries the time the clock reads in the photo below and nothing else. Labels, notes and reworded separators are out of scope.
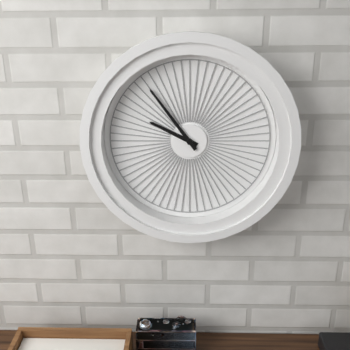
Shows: {"hour": 9, "minute": 54}
